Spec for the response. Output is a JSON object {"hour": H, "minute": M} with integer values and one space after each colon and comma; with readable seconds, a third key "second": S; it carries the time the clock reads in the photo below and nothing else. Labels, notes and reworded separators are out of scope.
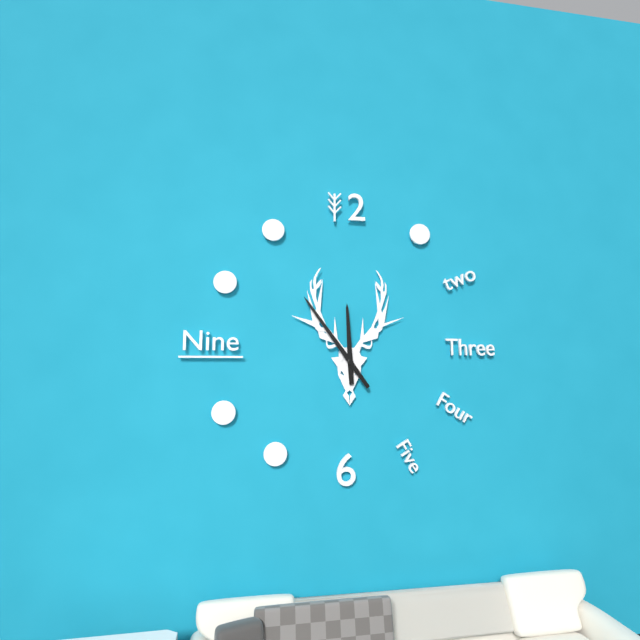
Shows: {"hour": 11, "minute": 54}
